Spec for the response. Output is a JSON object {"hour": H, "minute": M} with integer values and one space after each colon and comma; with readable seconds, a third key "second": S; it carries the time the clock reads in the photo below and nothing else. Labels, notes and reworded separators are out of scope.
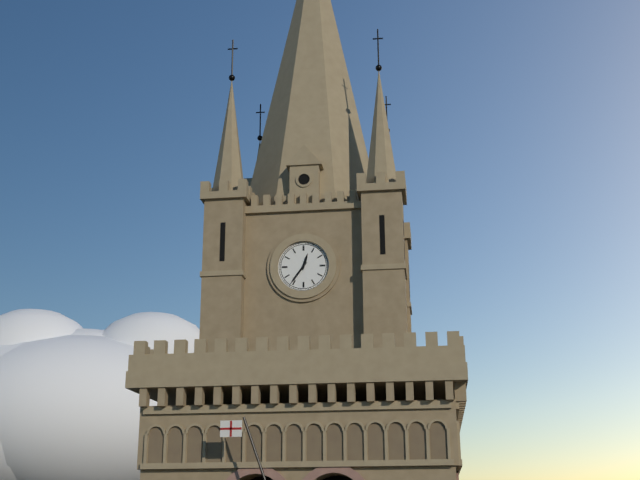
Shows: {"hour": 12, "minute": 36}
